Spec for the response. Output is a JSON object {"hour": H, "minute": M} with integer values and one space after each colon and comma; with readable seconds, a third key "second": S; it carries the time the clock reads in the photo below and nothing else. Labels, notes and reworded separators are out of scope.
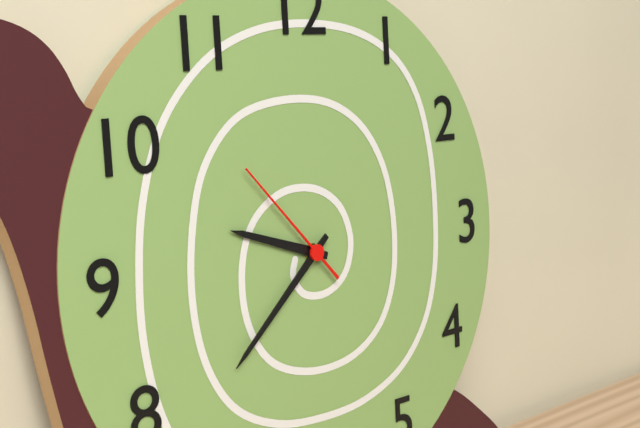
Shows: {"hour": 9, "minute": 38, "second": 53}
